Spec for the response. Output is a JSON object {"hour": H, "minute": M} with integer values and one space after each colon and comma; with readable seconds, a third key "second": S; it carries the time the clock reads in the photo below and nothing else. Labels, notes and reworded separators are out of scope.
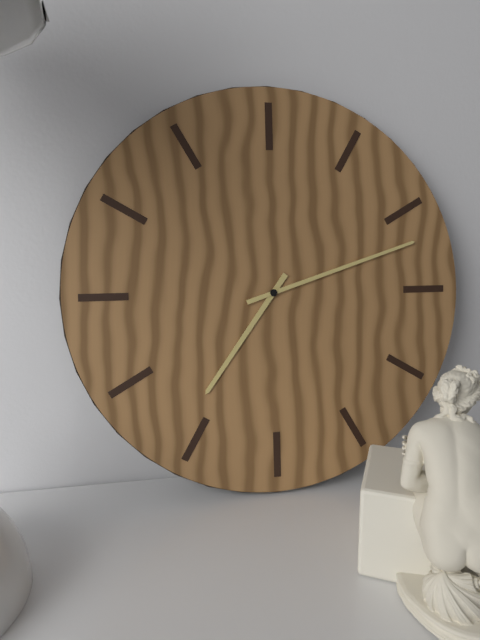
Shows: {"hour": 7, "minute": 12}
